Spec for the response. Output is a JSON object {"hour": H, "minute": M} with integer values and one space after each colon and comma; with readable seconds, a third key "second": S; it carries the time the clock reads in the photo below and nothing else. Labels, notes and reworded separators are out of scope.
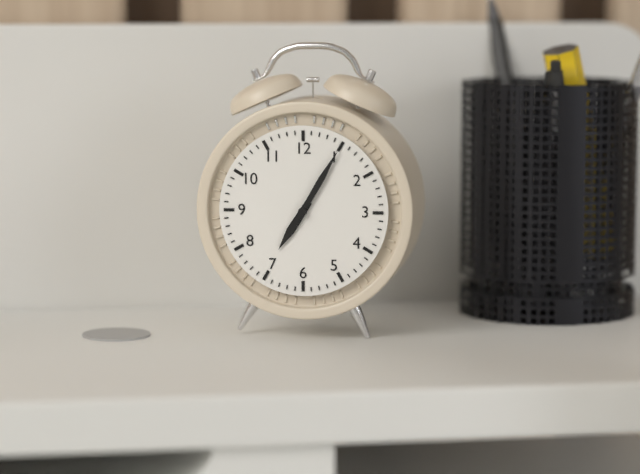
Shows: {"hour": 7, "minute": 5}
